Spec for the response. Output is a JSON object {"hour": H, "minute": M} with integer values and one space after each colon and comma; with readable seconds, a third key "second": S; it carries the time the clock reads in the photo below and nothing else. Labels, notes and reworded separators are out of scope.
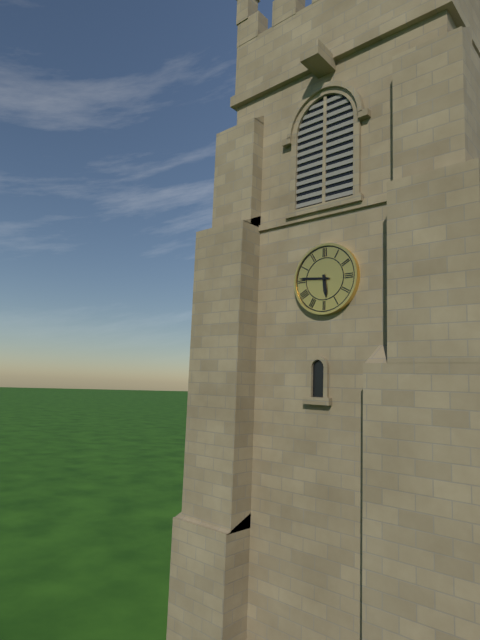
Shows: {"hour": 5, "minute": 46}
